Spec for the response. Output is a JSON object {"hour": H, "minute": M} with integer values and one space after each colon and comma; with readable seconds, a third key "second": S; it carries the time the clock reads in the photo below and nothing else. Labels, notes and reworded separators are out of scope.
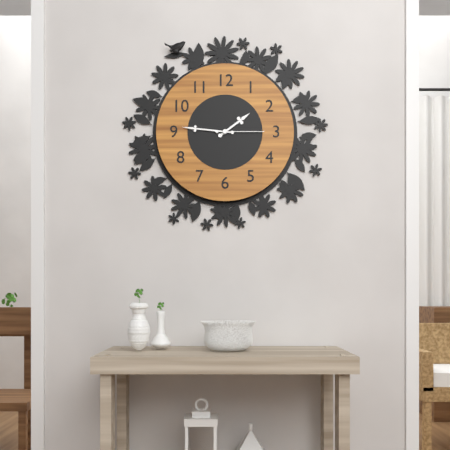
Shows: {"hour": 1, "minute": 46}
